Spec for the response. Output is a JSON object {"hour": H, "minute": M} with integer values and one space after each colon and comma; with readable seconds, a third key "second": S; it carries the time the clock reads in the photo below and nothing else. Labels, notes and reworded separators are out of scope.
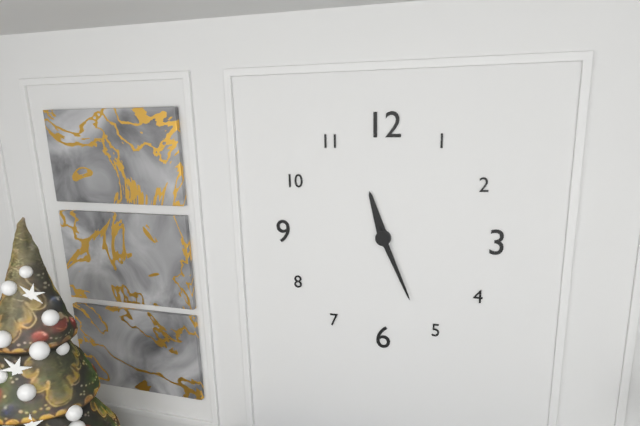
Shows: {"hour": 11, "minute": 26}
